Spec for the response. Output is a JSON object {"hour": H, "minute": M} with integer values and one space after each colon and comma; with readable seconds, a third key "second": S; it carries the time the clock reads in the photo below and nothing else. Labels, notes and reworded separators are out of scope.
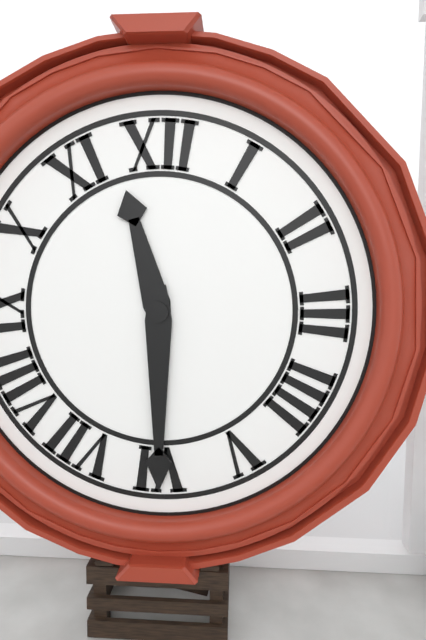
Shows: {"hour": 11, "minute": 30}
